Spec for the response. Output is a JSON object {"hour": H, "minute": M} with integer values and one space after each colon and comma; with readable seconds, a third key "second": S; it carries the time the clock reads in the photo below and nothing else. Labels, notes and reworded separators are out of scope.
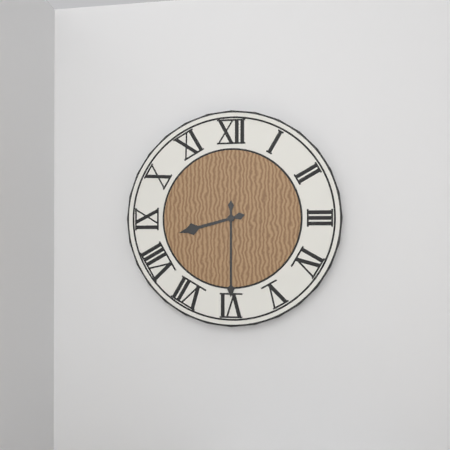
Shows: {"hour": 8, "minute": 30}
